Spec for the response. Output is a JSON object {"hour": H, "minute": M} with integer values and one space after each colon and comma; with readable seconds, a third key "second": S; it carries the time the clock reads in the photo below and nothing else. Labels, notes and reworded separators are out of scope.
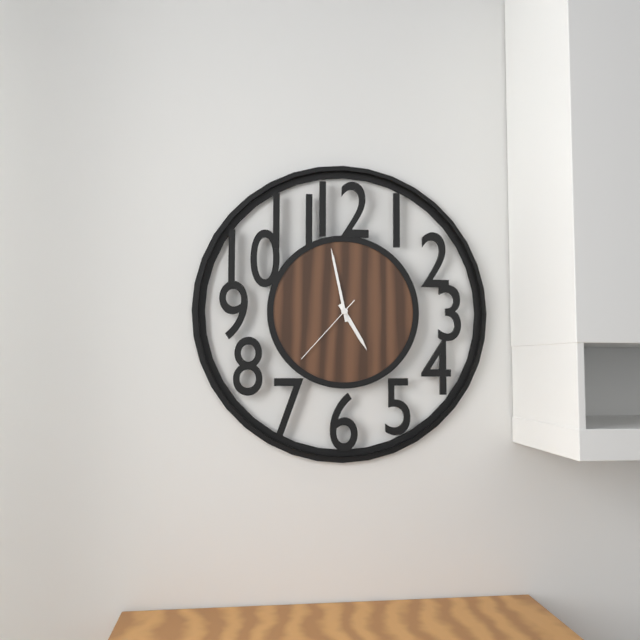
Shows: {"hour": 4, "minute": 58, "second": 37}
